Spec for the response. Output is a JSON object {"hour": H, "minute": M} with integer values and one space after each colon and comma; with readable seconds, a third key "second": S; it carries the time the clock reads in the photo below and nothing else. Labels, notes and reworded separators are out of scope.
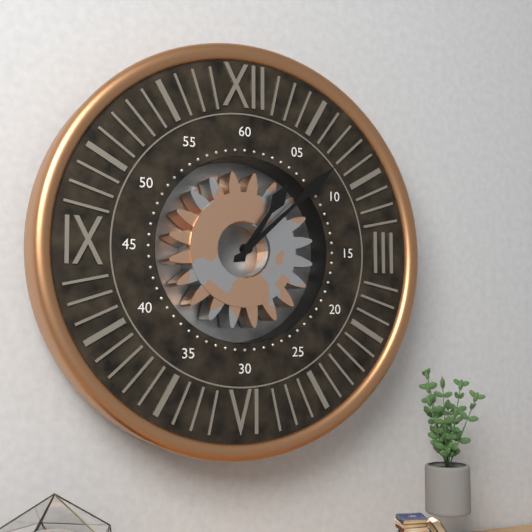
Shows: {"hour": 1, "minute": 8}
